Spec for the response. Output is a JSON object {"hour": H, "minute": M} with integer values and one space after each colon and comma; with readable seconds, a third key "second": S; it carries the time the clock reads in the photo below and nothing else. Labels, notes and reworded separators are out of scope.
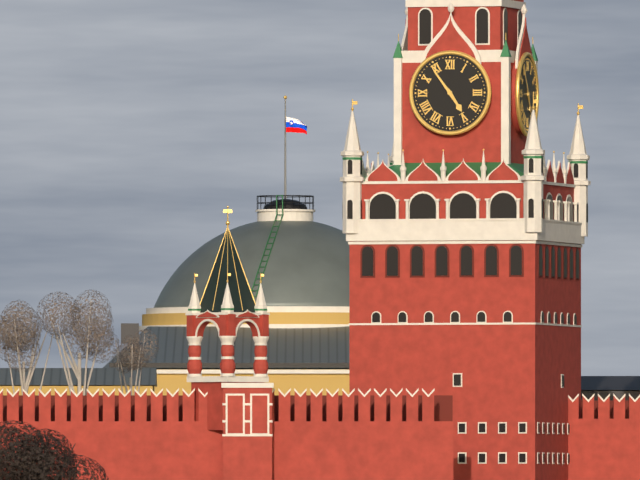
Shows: {"hour": 4, "minute": 54}
